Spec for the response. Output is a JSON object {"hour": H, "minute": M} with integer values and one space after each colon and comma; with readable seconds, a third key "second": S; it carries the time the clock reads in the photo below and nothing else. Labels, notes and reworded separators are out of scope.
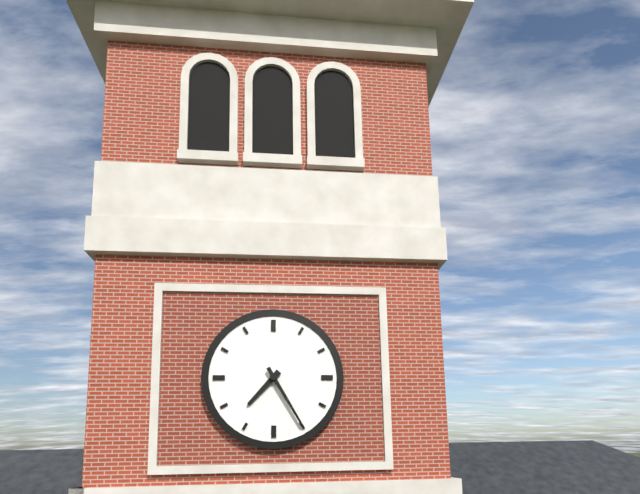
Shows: {"hour": 7, "minute": 25}
